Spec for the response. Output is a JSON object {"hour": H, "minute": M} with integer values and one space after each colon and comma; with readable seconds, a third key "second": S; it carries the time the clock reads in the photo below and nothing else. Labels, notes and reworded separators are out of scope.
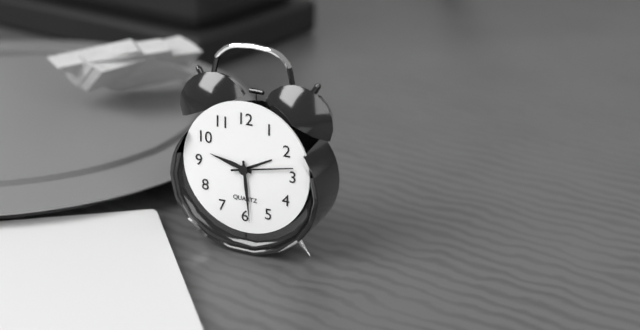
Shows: {"hour": 9, "minute": 29, "second": 13}
